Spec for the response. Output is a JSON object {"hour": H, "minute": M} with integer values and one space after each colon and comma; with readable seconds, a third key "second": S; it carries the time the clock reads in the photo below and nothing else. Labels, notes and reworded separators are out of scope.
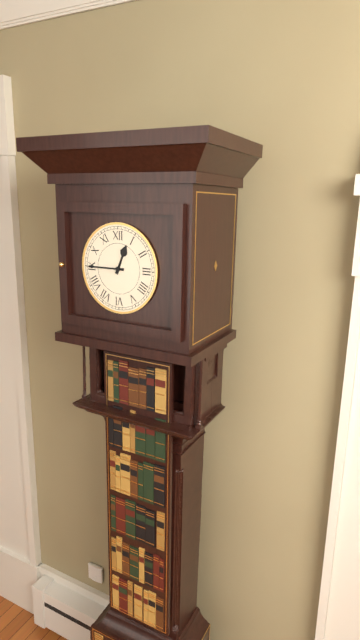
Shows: {"hour": 12, "minute": 45}
